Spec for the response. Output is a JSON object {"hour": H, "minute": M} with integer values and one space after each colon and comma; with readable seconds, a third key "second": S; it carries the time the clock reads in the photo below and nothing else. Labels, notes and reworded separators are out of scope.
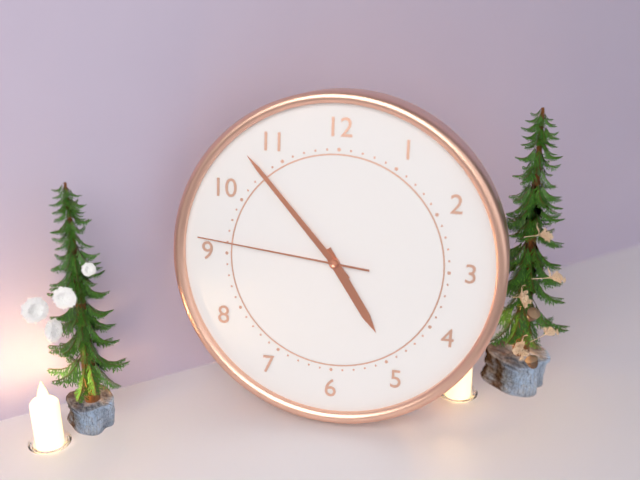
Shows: {"hour": 4, "minute": 53, "second": 46}
